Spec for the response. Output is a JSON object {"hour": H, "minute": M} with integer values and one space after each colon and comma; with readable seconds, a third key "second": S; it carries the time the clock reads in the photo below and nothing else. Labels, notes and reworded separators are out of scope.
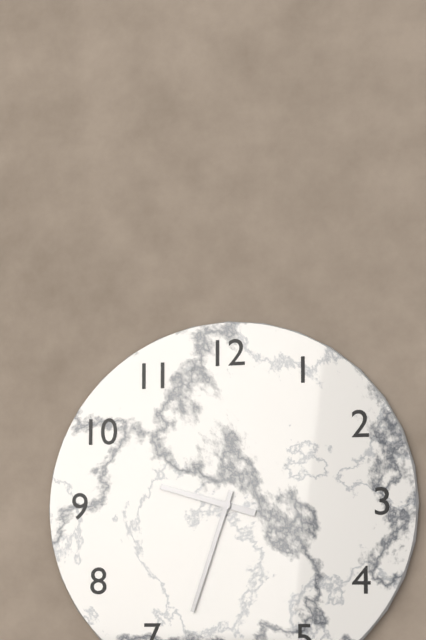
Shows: {"hour": 9, "minute": 33}
